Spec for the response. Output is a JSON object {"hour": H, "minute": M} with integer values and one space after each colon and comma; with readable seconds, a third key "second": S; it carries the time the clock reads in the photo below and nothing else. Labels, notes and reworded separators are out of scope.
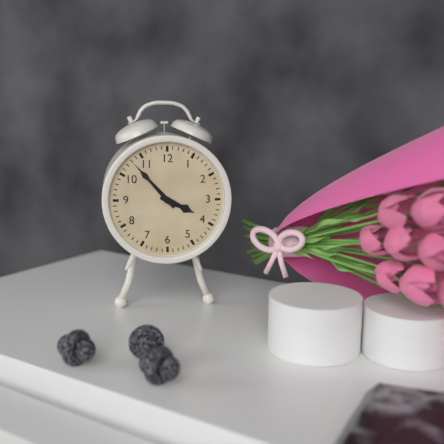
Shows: {"hour": 3, "minute": 53}
